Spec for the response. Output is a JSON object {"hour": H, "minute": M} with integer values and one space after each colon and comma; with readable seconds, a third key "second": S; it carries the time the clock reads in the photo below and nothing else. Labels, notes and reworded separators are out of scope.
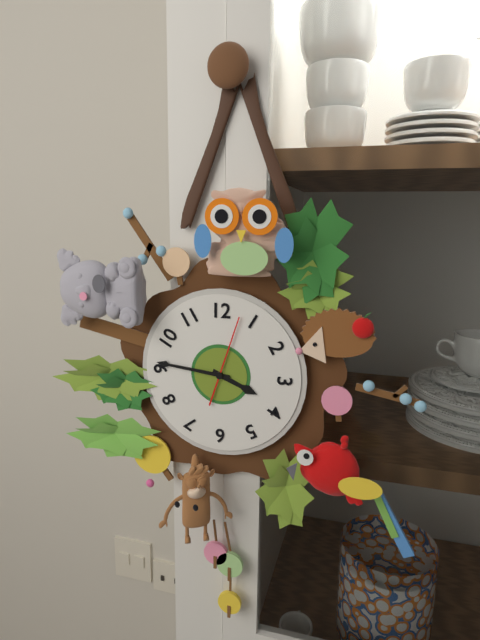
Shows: {"hour": 3, "minute": 46, "second": 3}
